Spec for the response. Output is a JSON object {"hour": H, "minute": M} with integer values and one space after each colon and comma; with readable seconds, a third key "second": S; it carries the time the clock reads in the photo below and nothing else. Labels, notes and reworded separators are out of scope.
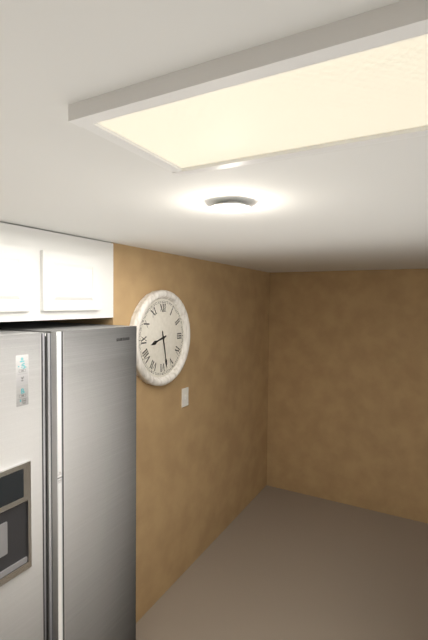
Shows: {"hour": 8, "minute": 28}
